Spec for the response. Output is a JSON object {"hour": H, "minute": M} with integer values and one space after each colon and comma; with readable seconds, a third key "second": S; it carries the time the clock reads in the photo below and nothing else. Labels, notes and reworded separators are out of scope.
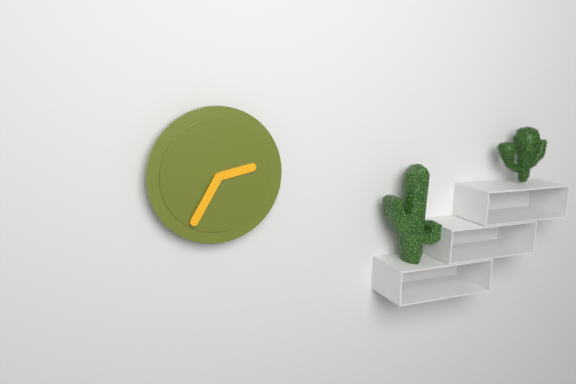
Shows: {"hour": 2, "minute": 35}
